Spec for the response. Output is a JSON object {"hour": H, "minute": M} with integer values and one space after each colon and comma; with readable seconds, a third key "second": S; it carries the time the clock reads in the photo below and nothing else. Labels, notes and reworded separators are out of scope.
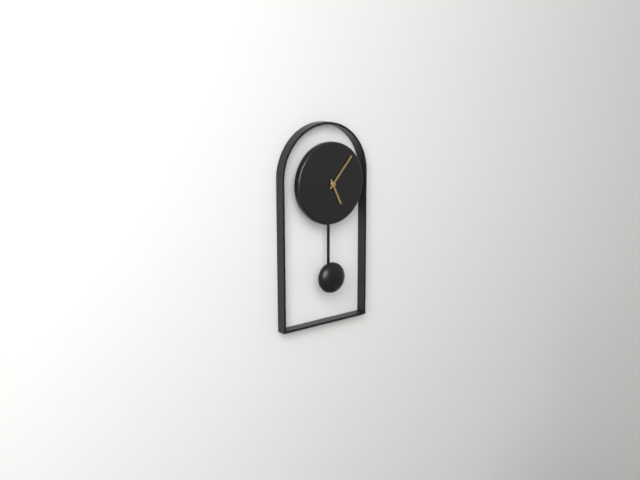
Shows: {"hour": 5, "minute": 7}
